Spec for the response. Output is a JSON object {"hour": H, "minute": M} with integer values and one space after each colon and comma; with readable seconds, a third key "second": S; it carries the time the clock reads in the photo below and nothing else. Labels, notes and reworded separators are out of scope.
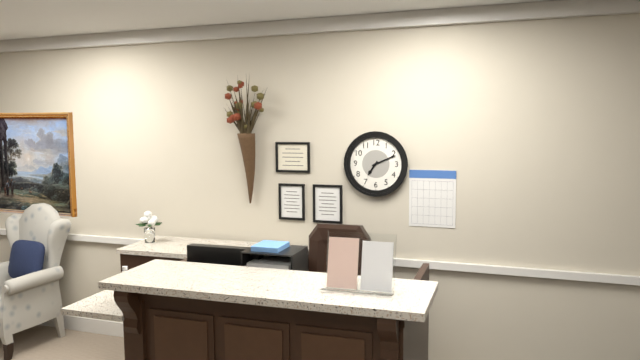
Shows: {"hour": 7, "minute": 11}
